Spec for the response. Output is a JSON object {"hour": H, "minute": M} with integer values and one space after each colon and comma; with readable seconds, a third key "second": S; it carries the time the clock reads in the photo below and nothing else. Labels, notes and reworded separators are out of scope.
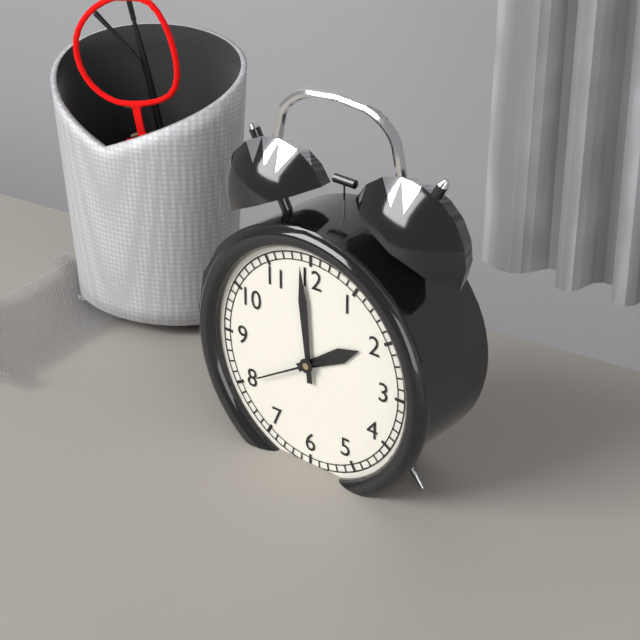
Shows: {"hour": 1, "minute": 59, "second": 40}
